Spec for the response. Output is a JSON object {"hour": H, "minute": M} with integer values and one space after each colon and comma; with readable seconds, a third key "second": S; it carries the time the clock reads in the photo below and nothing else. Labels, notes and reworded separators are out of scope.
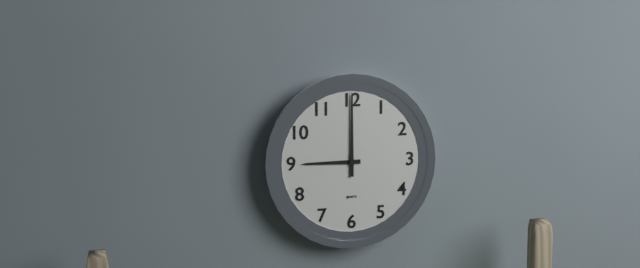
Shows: {"hour": 9, "minute": 0}
